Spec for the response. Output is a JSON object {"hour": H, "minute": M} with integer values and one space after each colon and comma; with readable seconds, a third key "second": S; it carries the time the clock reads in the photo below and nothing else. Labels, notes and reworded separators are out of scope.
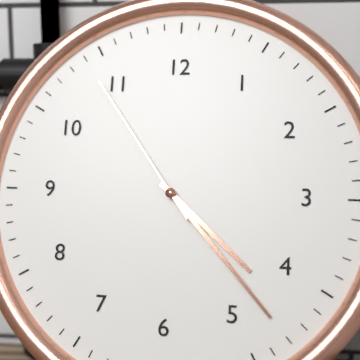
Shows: {"hour": 4, "minute": 23, "second": 54}
